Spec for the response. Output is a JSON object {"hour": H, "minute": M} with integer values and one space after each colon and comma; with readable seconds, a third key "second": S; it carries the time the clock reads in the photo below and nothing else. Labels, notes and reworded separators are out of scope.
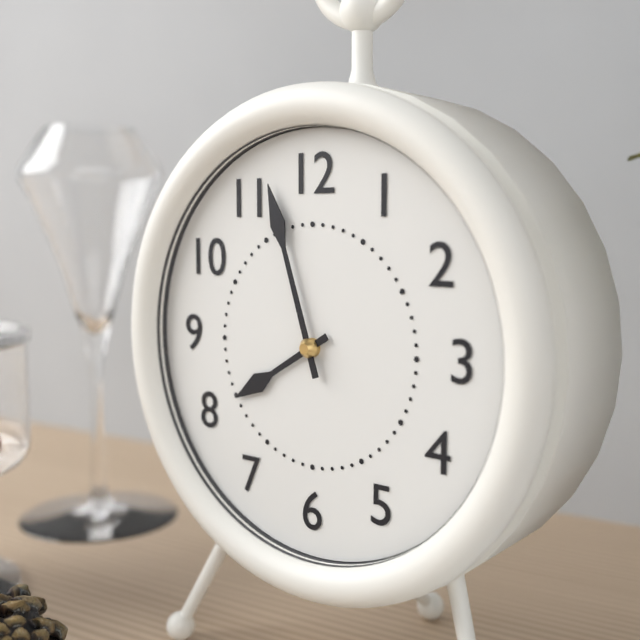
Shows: {"hour": 7, "minute": 57}
